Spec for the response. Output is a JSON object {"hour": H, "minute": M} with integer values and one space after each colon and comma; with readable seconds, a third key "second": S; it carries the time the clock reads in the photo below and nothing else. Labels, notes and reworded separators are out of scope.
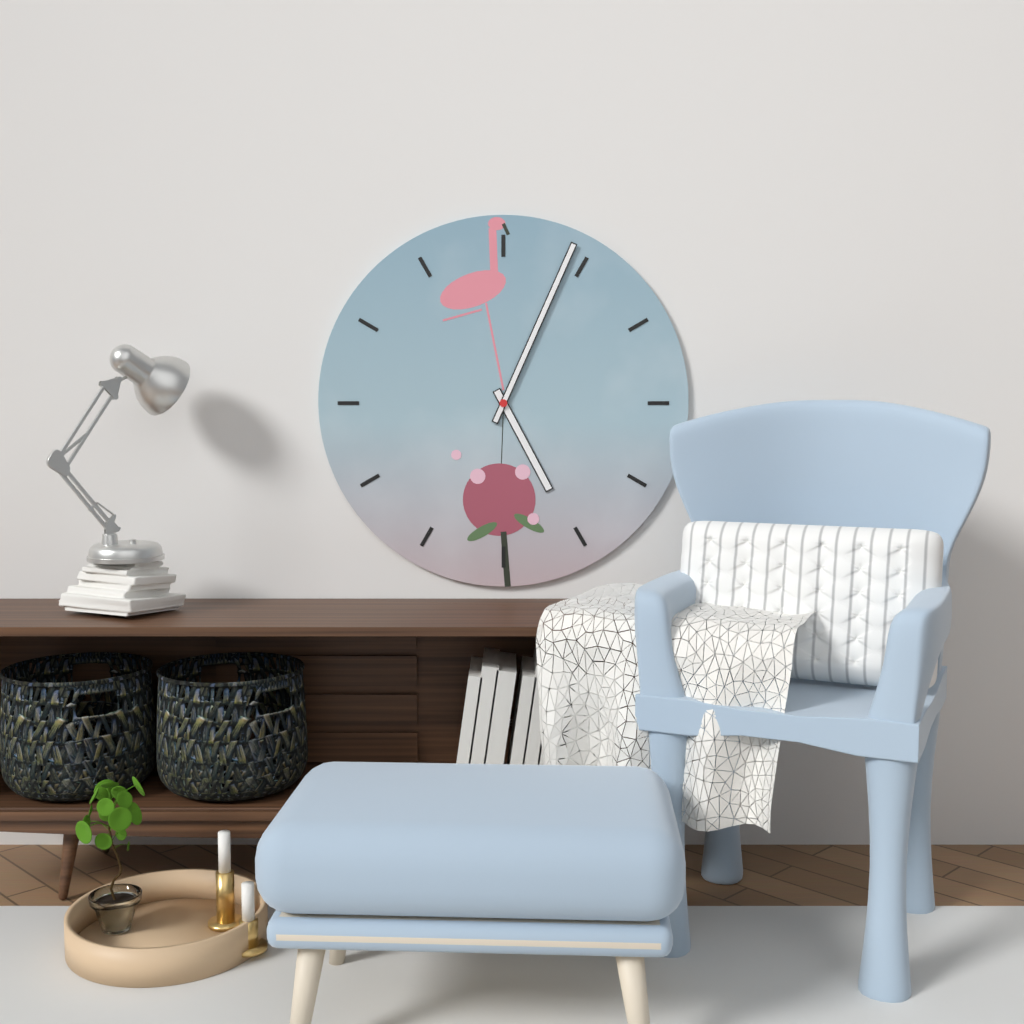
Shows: {"hour": 5, "minute": 4}
